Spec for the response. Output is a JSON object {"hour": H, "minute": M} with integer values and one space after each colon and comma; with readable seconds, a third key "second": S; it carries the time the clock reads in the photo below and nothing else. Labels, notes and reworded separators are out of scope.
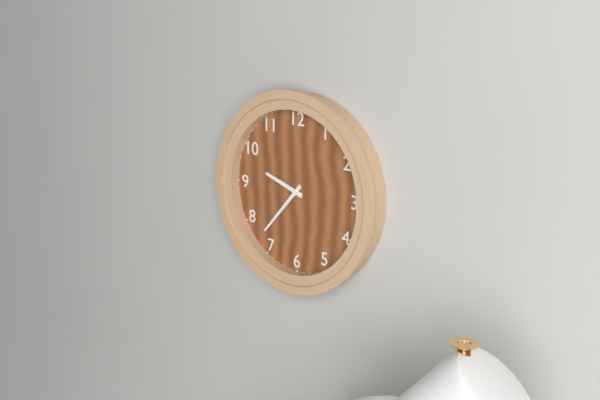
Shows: {"hour": 9, "minute": 37}
